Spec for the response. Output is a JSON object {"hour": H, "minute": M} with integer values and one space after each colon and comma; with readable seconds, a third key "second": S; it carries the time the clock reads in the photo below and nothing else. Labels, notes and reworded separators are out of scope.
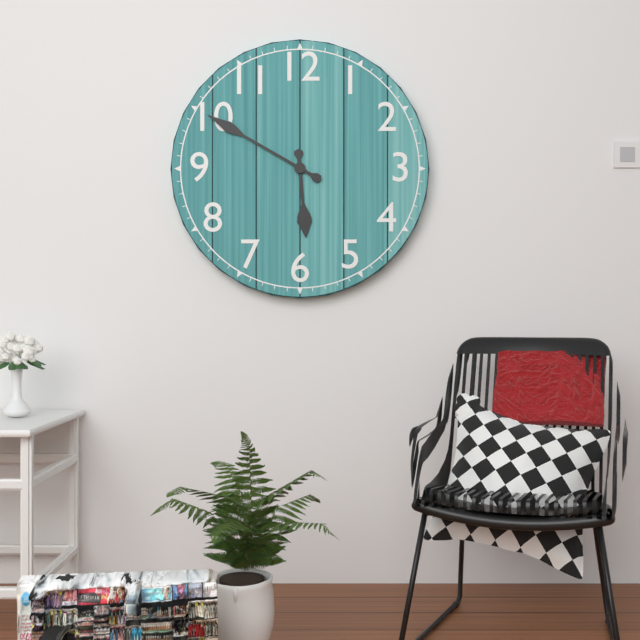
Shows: {"hour": 5, "minute": 50}
